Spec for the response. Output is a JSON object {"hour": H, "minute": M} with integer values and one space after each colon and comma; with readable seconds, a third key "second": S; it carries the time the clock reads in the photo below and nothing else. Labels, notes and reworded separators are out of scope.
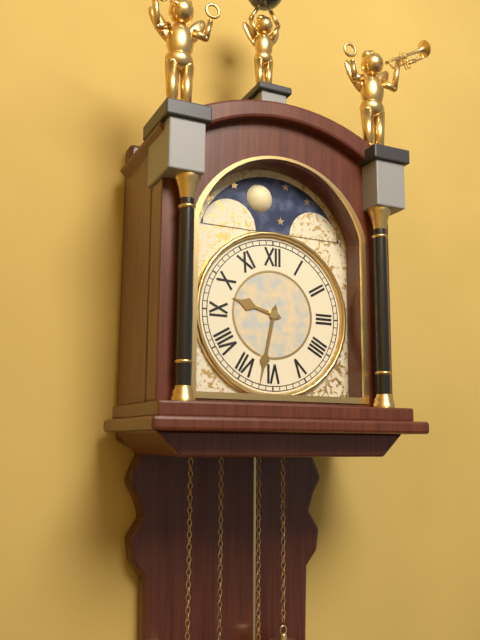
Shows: {"hour": 9, "minute": 32}
